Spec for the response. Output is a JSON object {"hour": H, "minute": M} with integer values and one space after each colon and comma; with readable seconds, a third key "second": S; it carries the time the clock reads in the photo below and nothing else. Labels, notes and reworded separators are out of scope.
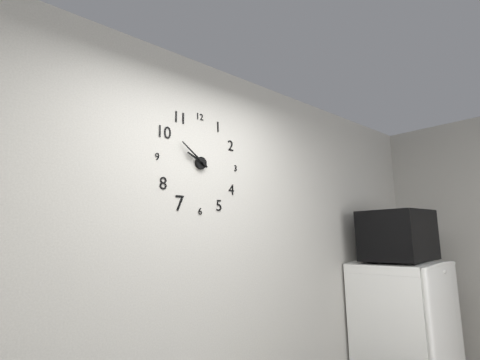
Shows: {"hour": 9, "minute": 51}
